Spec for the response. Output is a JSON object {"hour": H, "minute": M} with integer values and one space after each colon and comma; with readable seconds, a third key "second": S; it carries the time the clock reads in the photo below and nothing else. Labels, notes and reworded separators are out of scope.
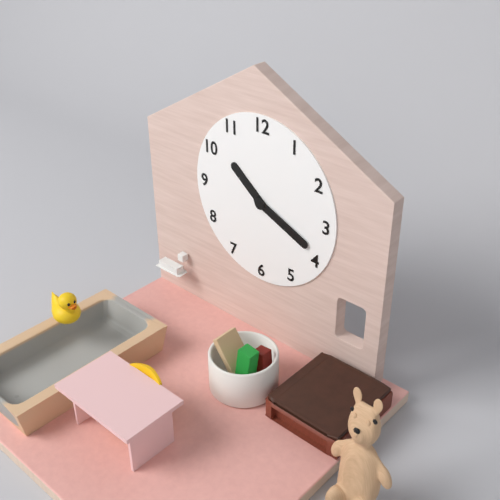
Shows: {"hour": 10, "minute": 19}
